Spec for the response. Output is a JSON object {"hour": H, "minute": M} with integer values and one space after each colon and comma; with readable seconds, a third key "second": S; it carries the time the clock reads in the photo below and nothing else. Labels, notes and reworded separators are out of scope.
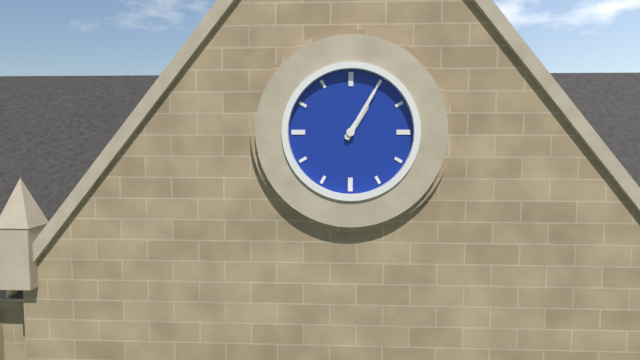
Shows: {"hour": 1, "minute": 5}
